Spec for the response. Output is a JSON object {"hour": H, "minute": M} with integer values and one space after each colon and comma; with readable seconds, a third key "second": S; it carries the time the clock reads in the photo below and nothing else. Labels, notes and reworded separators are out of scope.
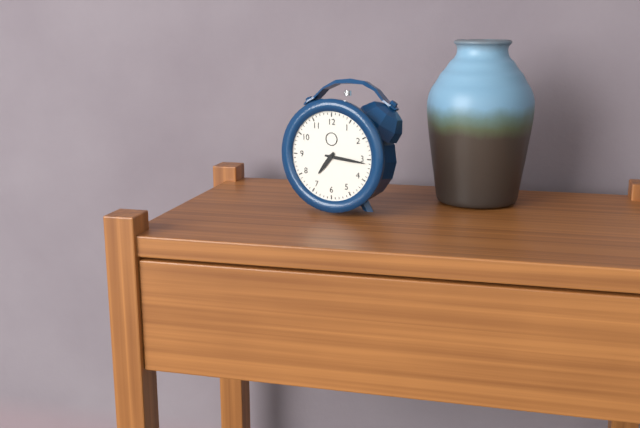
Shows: {"hour": 7, "minute": 16}
